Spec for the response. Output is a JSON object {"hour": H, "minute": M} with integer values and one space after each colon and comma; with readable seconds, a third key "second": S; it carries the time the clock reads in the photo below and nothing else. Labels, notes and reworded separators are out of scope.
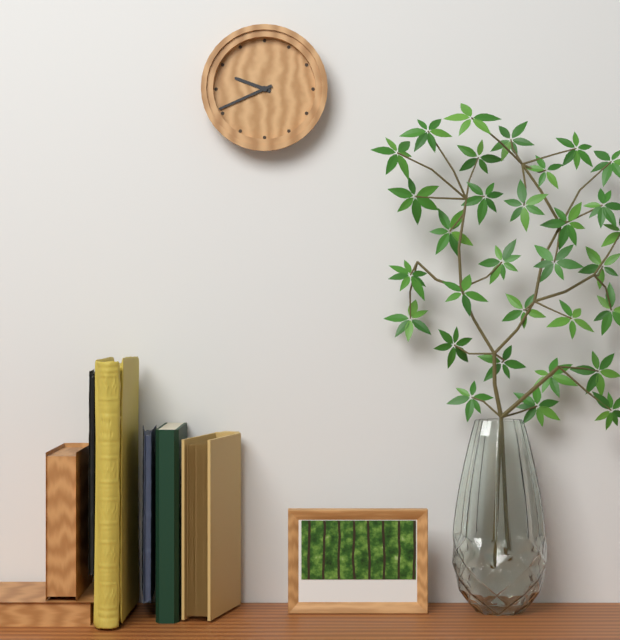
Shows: {"hour": 9, "minute": 41}
